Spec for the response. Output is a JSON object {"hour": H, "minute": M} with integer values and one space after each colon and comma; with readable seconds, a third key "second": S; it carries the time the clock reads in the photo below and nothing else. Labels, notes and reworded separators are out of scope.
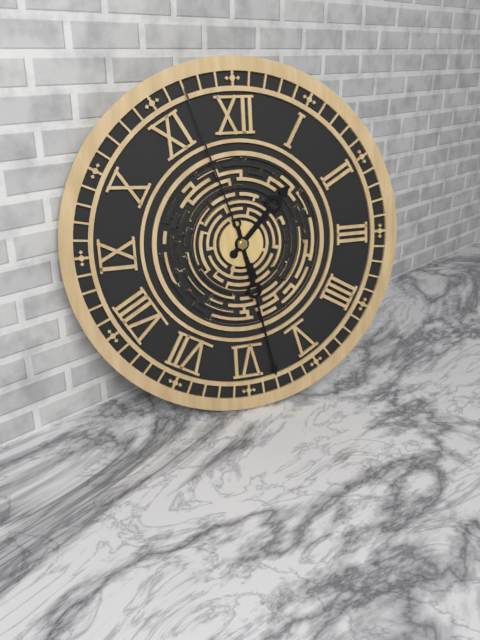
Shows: {"hour": 1, "minute": 28, "second": 57}
